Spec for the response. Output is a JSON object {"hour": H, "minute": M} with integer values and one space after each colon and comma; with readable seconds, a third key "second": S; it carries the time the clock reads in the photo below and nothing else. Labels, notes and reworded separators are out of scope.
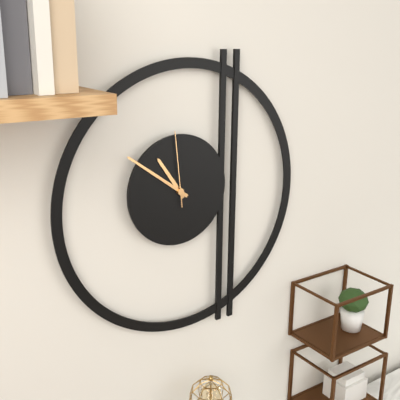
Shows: {"hour": 10, "minute": 51, "second": 59}
